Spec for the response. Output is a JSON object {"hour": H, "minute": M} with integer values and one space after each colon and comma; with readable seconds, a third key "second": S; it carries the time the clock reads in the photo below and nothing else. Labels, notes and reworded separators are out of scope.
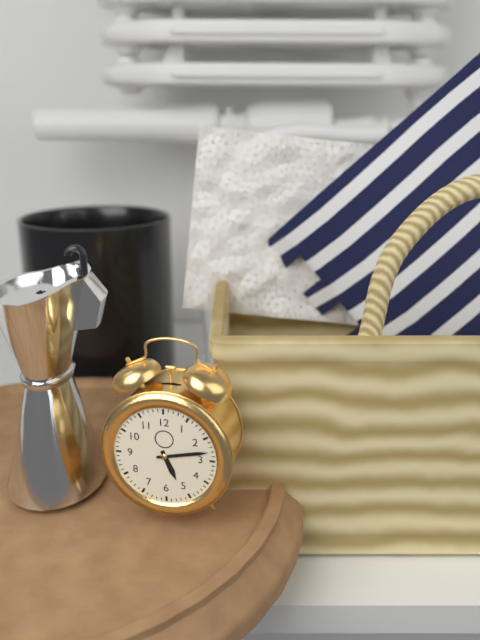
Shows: {"hour": 5, "minute": 13}
